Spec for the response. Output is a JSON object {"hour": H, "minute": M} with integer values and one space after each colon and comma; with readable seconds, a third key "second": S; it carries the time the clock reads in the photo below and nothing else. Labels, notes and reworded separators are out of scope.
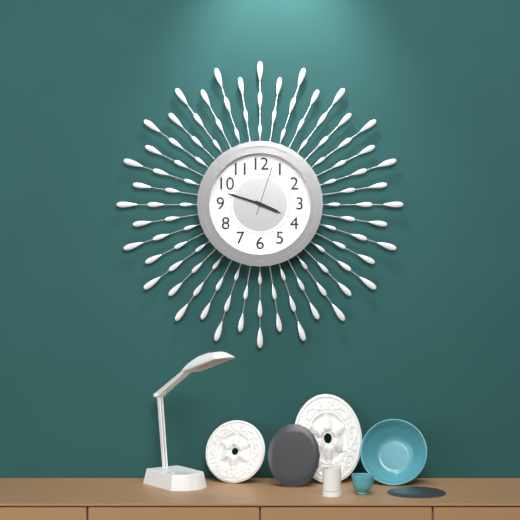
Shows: {"hour": 3, "minute": 48}
